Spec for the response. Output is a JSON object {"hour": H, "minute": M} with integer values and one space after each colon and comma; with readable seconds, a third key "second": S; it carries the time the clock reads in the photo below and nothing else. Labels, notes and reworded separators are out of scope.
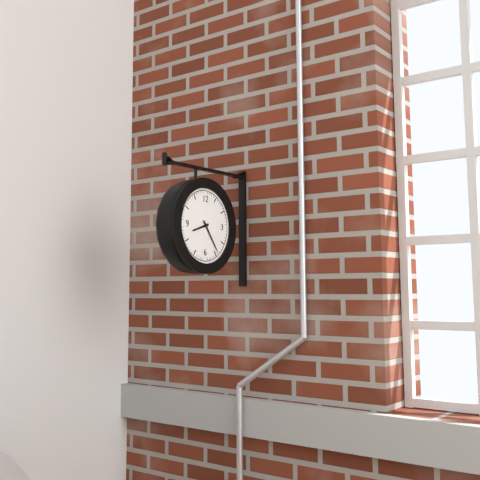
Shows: {"hour": 8, "minute": 24}
